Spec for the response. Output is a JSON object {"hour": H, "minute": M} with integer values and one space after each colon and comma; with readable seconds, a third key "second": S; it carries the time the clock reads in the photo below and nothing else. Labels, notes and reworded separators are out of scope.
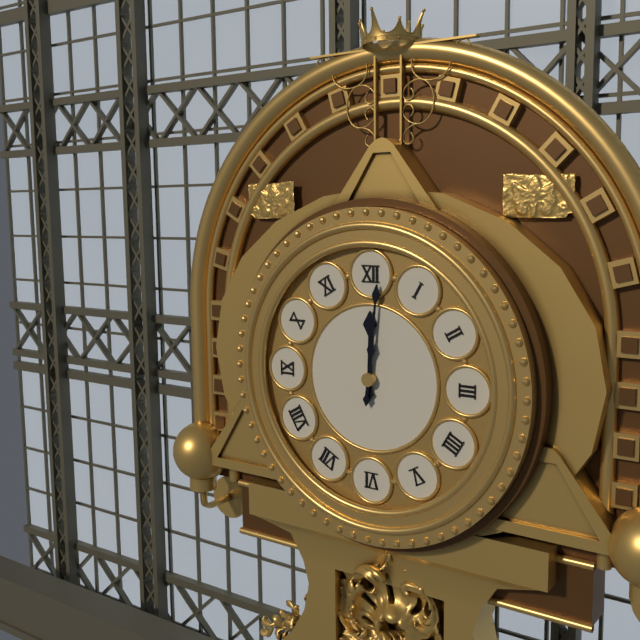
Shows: {"hour": 12, "minute": 1}
